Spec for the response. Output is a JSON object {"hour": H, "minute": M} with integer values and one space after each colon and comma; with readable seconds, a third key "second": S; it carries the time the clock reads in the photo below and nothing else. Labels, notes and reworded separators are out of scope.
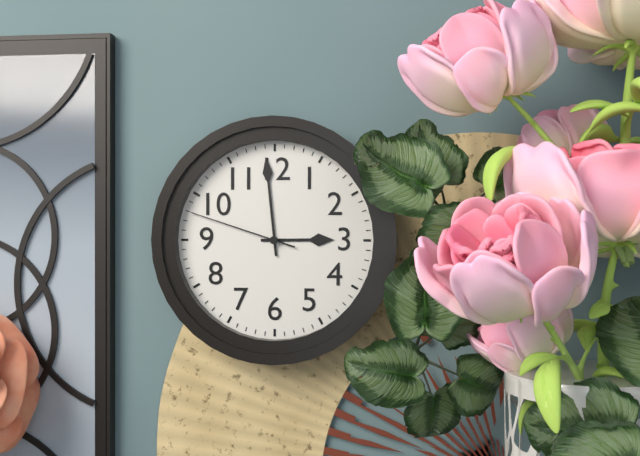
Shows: {"hour": 2, "minute": 59, "second": 48}
